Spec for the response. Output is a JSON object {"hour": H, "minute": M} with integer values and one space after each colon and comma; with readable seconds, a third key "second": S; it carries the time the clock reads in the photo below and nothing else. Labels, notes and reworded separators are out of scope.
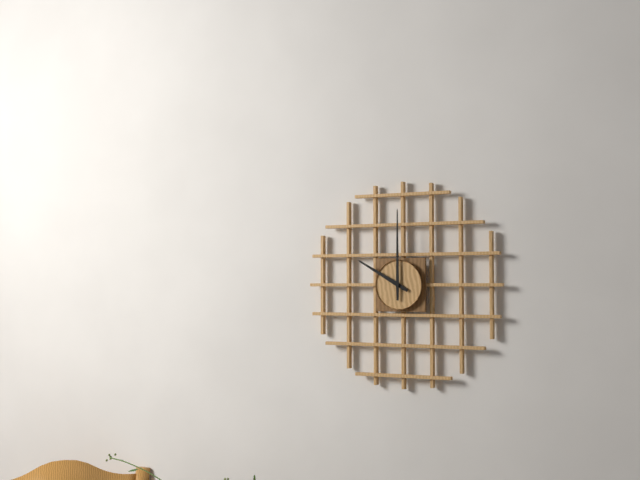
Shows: {"hour": 10, "minute": 0}
